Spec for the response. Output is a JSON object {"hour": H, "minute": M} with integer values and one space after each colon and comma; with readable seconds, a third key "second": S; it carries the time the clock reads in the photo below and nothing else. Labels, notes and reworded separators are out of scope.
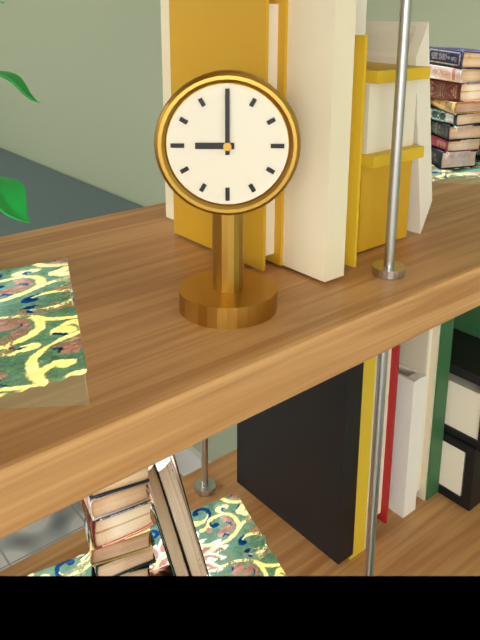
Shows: {"hour": 9, "minute": 0}
